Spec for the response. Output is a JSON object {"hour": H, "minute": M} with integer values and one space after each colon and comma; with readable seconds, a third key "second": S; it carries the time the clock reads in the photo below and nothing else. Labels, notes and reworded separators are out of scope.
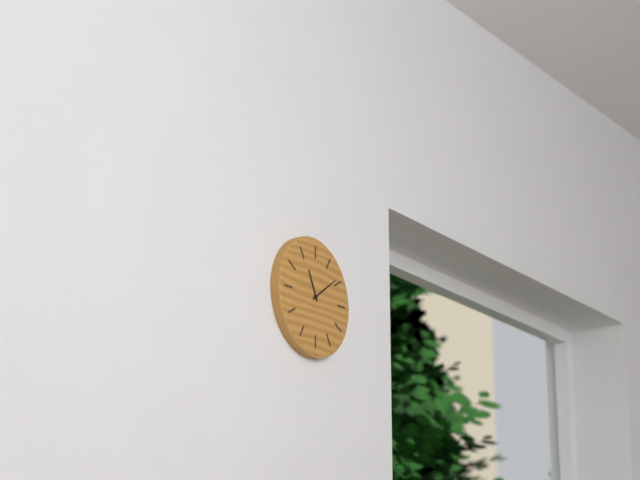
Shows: {"hour": 11, "minute": 9}
